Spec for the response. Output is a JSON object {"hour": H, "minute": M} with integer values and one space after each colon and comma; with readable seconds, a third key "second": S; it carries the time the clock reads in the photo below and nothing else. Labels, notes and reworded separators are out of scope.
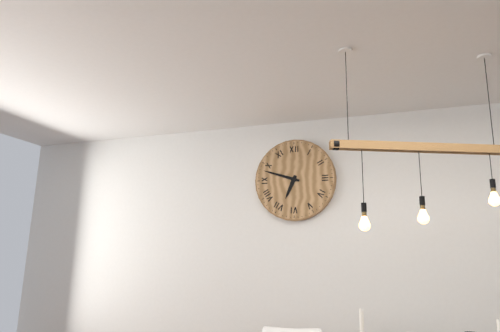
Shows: {"hour": 6, "minute": 48}
